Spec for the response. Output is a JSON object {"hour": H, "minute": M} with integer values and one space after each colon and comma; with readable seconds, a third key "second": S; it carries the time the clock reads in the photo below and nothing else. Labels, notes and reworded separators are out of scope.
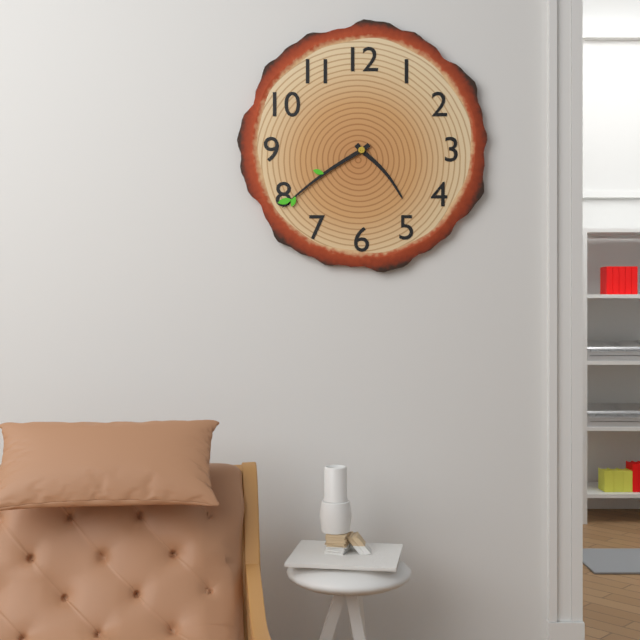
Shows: {"hour": 4, "minute": 39}
